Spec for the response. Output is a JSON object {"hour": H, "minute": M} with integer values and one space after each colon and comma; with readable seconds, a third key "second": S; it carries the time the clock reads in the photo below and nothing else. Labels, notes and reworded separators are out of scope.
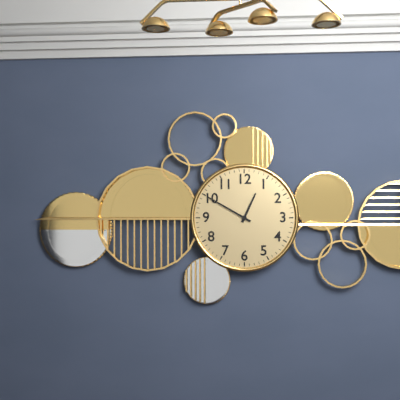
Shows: {"hour": 12, "minute": 50}
